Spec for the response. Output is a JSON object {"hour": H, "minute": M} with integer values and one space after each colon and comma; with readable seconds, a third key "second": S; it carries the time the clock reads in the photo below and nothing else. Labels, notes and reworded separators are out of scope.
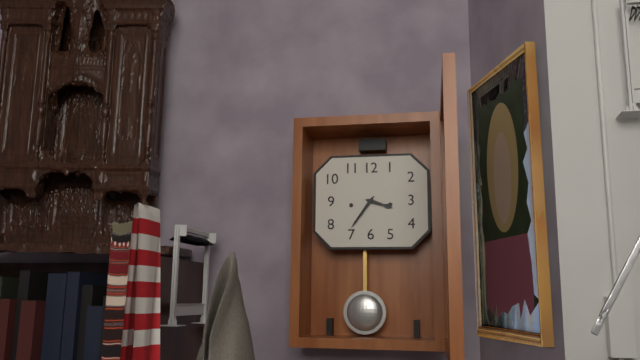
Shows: {"hour": 3, "minute": 36}
